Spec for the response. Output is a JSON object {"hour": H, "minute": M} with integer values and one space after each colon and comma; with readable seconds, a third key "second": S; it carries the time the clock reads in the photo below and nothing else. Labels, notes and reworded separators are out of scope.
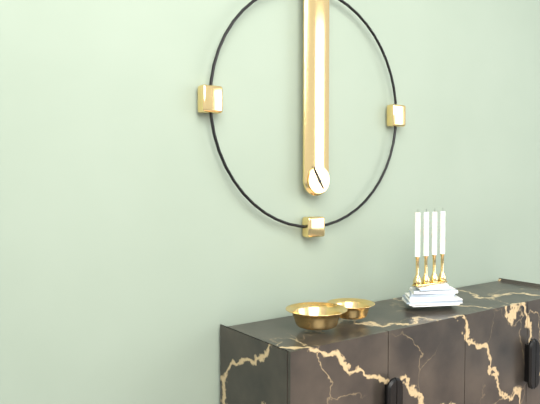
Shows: {"hour": 4, "minute": 55}
